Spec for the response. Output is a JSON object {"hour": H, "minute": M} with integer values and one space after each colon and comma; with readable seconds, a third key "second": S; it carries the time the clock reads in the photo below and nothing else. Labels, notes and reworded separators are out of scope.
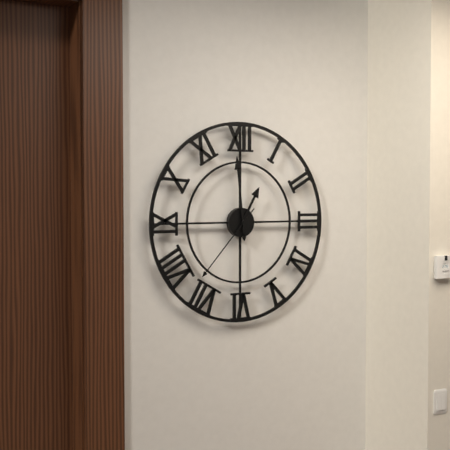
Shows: {"hour": 12, "minute": 59, "second": 37}
